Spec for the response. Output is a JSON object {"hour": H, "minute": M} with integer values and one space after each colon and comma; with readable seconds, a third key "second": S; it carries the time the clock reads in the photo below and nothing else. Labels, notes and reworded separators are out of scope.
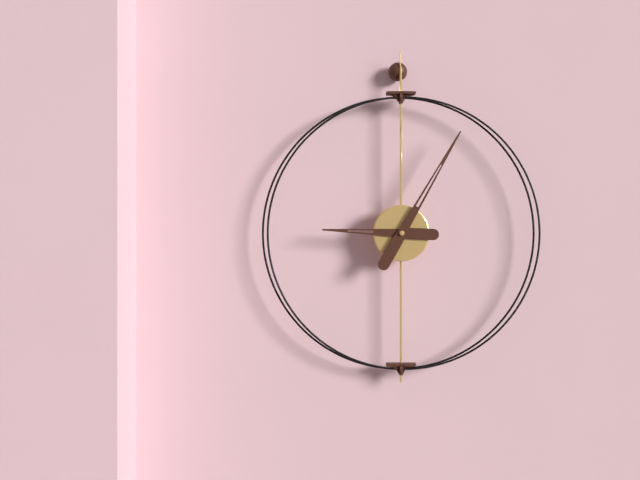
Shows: {"hour": 9, "minute": 5}
